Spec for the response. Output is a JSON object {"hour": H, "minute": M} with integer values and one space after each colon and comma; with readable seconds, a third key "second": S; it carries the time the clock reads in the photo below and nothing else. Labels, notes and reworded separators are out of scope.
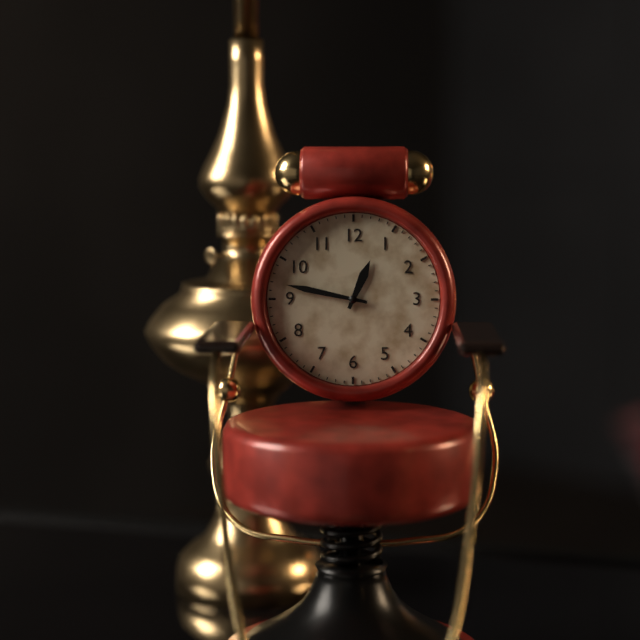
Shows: {"hour": 12, "minute": 47}
